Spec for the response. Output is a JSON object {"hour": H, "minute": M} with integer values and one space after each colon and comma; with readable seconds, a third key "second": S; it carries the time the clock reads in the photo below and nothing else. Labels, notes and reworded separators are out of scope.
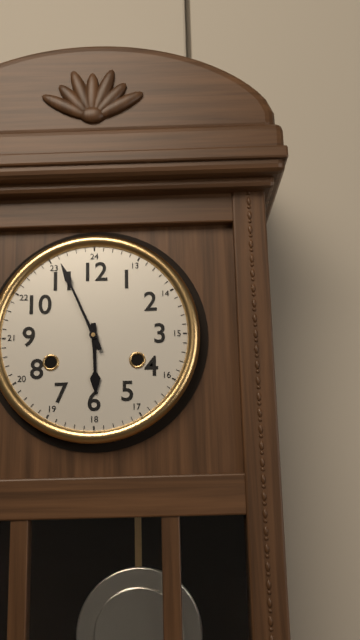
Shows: {"hour": 5, "minute": 56}
